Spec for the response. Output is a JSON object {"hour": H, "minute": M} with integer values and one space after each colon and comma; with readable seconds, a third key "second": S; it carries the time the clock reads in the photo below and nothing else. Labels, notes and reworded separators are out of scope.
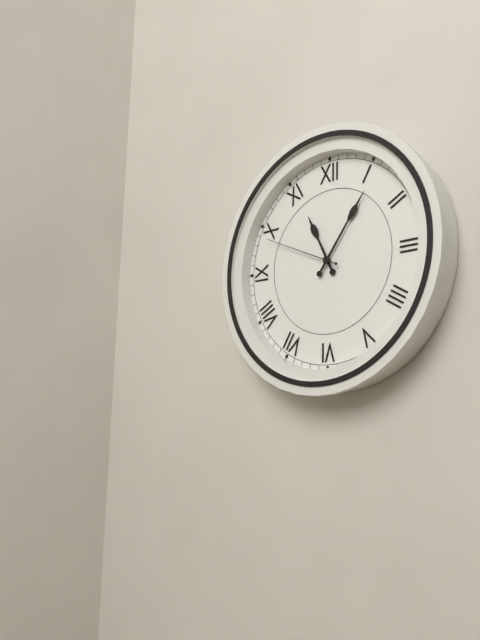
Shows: {"hour": 11, "minute": 6, "second": 49}
